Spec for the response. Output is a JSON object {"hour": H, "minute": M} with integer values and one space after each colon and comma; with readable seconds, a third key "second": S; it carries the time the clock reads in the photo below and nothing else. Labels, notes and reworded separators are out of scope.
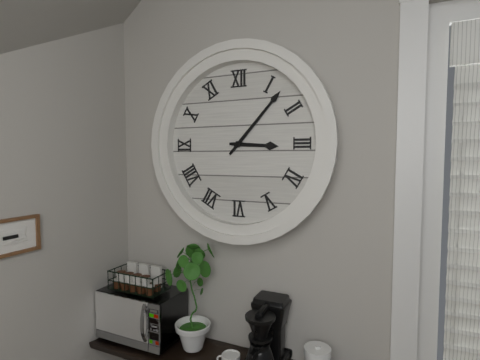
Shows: {"hour": 3, "minute": 7}
